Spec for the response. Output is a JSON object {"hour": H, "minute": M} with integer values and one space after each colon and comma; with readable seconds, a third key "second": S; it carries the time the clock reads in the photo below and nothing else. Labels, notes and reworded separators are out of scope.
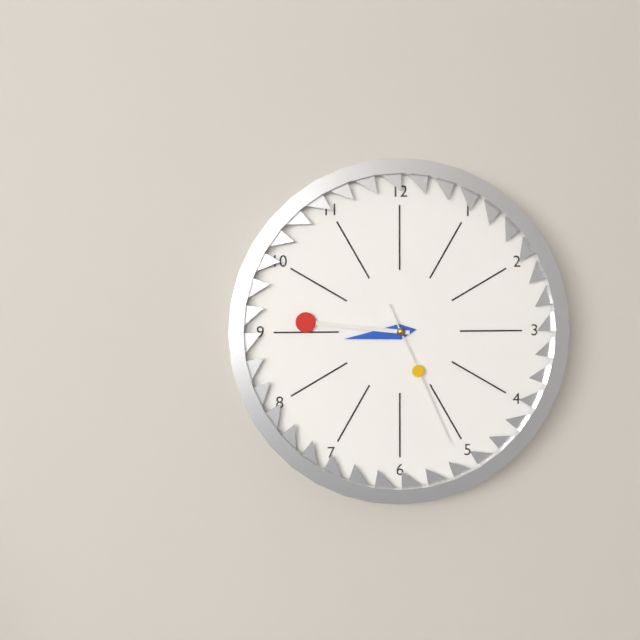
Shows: {"hour": 8, "minute": 46, "second": 26}
